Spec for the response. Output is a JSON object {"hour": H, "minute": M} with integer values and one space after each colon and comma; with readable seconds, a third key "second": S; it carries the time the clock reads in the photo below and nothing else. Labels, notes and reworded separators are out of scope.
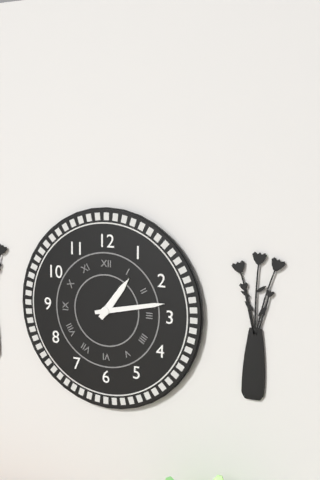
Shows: {"hour": 1, "minute": 13}
